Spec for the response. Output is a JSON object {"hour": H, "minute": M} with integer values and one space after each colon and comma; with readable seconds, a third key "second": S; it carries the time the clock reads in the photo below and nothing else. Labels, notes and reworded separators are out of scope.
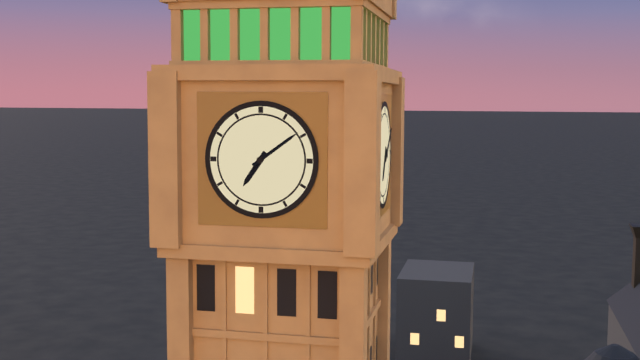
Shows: {"hour": 7, "minute": 9}
